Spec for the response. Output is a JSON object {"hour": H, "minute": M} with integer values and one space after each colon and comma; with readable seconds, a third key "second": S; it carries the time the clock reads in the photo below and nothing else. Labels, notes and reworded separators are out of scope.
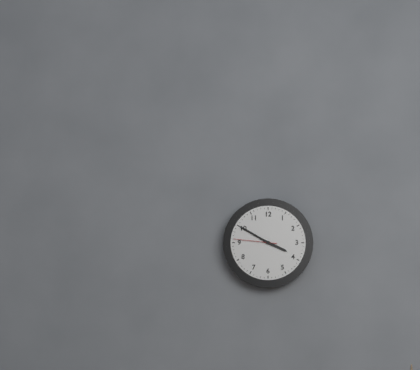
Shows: {"hour": 3, "minute": 50}
